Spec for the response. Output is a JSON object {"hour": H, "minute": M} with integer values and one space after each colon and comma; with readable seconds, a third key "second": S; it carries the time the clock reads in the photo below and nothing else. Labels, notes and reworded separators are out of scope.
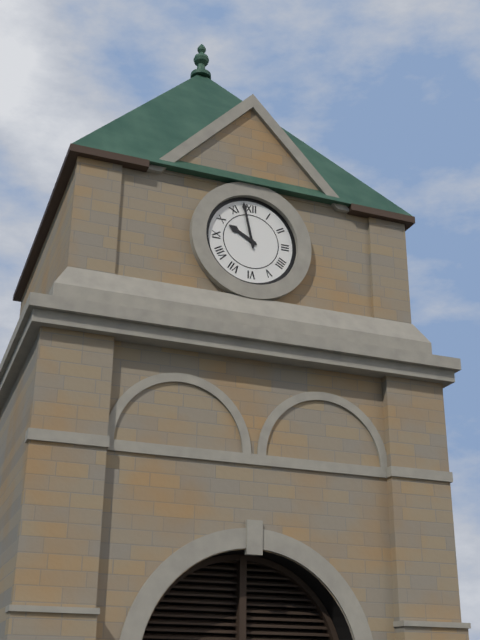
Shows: {"hour": 9, "minute": 58}
